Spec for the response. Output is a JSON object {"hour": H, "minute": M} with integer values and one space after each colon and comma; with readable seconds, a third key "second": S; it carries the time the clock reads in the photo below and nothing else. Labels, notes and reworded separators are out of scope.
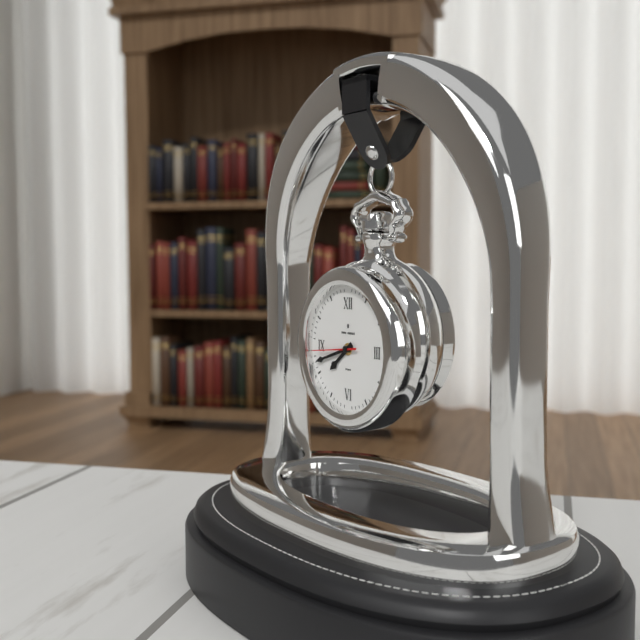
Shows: {"hour": 7, "minute": 42}
